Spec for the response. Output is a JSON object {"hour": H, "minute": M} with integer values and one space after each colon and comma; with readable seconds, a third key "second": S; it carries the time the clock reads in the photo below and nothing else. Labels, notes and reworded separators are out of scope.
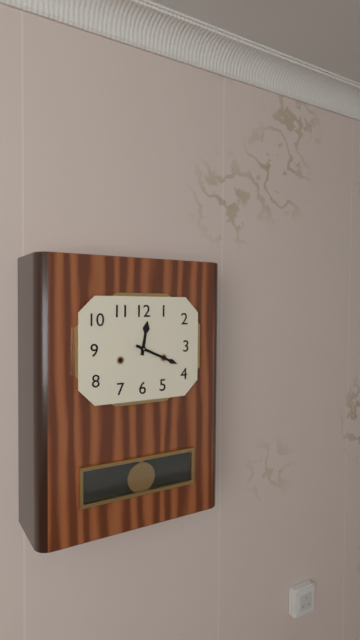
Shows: {"hour": 12, "minute": 19}
